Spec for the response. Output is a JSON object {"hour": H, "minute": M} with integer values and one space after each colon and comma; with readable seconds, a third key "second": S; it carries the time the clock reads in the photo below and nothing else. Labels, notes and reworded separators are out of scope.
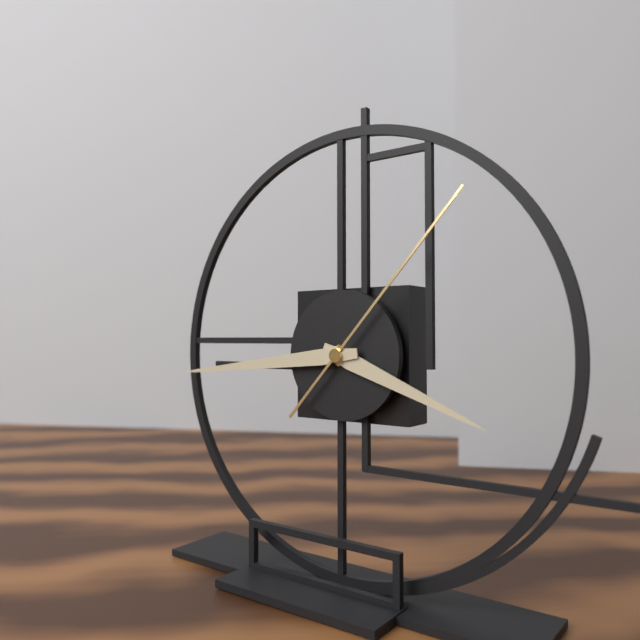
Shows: {"hour": 3, "minute": 44, "second": 7}
